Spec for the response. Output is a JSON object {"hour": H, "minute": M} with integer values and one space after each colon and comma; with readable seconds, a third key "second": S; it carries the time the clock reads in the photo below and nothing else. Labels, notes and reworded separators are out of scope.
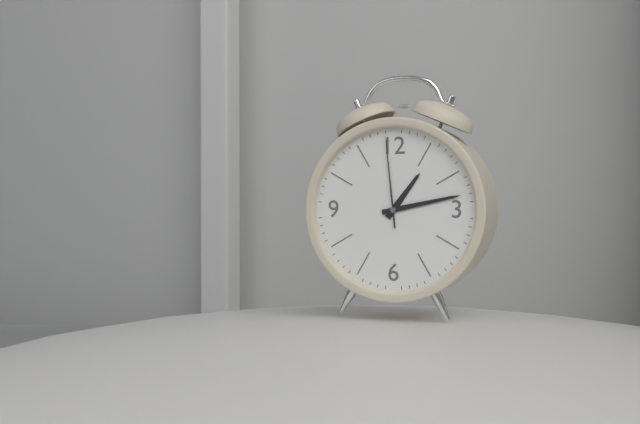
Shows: {"hour": 1, "minute": 13, "second": 59}
